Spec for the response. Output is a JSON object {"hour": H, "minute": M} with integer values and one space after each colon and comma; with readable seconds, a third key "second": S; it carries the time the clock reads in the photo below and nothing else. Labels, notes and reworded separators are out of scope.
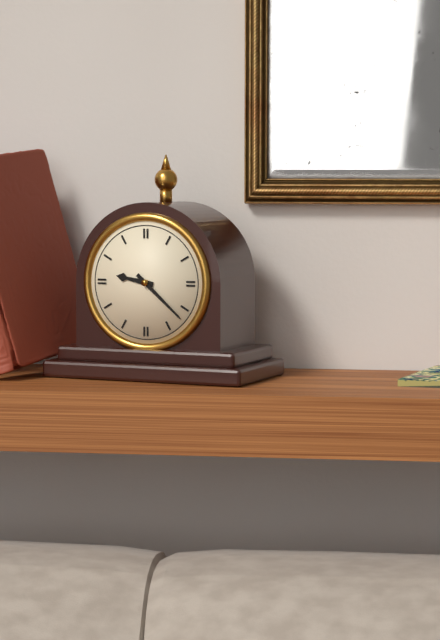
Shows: {"hour": 9, "minute": 22}
